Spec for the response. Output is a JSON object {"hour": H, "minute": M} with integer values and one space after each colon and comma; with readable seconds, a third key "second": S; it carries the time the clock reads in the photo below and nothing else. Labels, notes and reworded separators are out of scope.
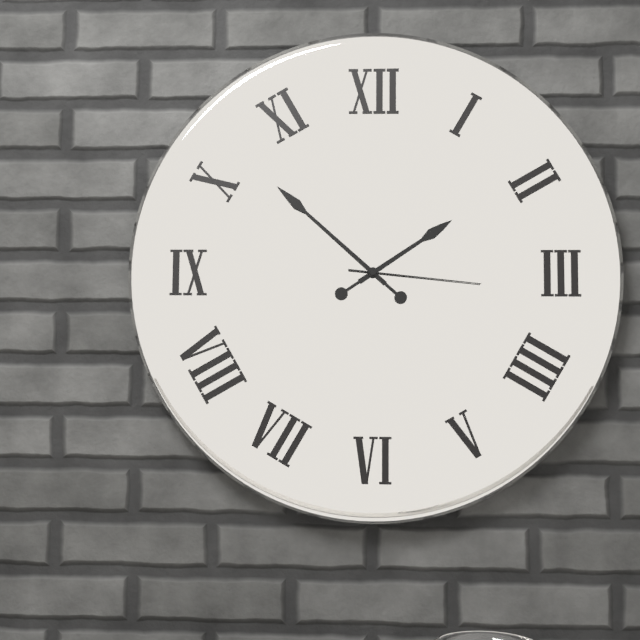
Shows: {"hour": 1, "minute": 52, "second": 16}
